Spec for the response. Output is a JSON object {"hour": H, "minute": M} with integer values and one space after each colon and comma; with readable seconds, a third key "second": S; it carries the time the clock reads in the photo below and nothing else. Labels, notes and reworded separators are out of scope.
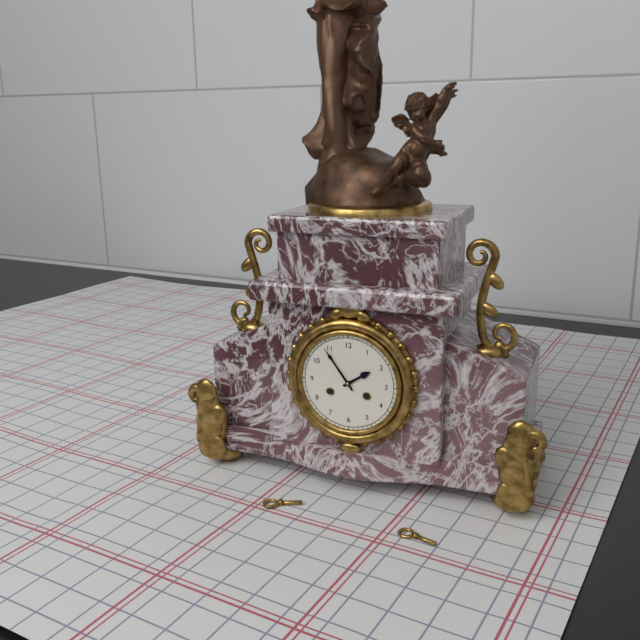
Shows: {"hour": 1, "minute": 54}
